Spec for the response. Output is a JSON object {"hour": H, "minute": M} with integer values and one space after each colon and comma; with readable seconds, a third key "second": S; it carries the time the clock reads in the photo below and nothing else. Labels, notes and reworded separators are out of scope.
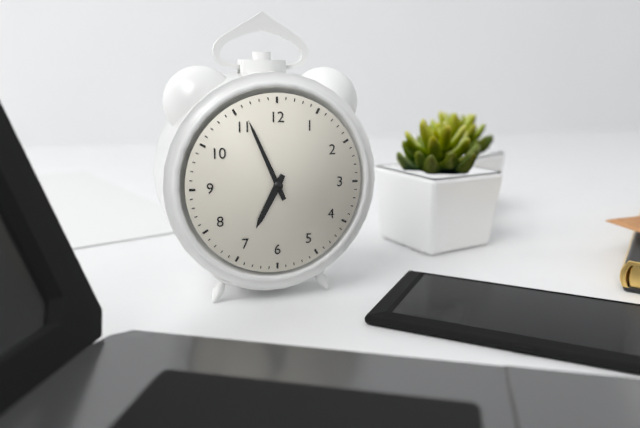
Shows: {"hour": 6, "minute": 56}
